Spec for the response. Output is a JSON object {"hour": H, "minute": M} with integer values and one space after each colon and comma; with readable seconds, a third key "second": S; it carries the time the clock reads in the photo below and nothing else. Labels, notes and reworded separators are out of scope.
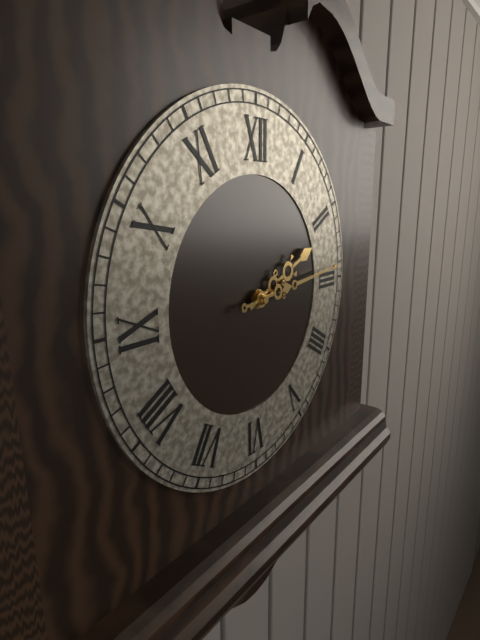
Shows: {"hour": 2, "minute": 14}
